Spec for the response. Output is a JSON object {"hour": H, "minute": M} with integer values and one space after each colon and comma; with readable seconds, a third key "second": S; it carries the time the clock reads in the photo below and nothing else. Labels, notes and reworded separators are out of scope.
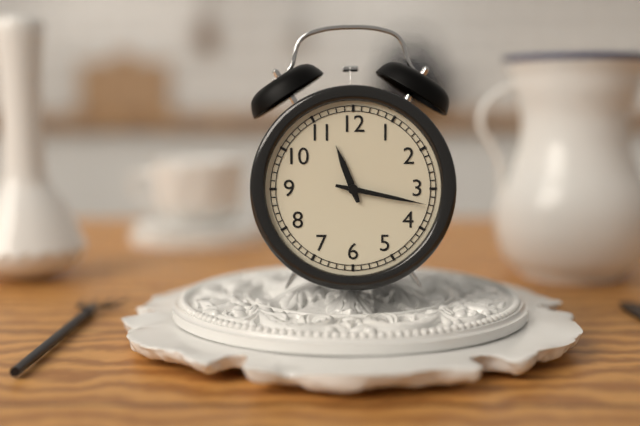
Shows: {"hour": 11, "minute": 17}
